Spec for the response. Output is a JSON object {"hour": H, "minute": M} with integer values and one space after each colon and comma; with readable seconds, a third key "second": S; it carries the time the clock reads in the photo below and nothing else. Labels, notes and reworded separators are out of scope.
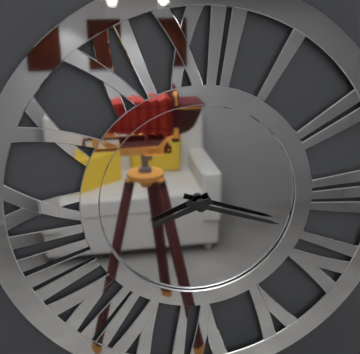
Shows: {"hour": 8, "minute": 18}
